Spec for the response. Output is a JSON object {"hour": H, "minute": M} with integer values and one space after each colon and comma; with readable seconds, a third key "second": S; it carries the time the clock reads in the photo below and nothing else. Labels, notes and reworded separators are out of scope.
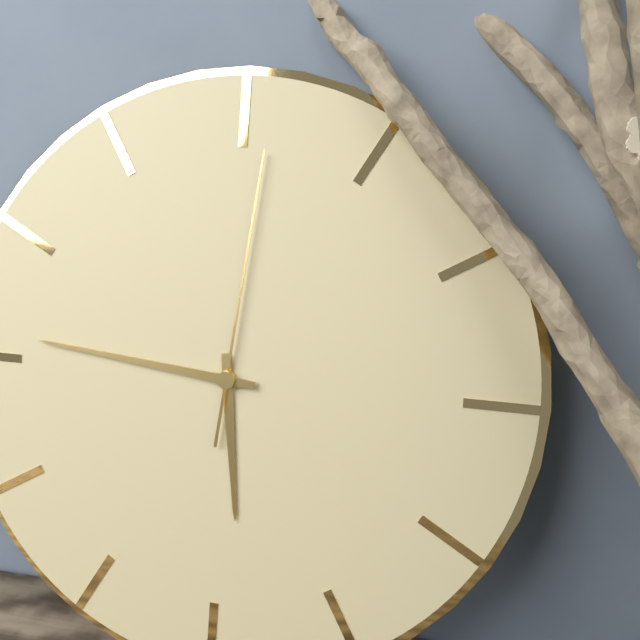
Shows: {"hour": 5, "minute": 46, "second": 1}
